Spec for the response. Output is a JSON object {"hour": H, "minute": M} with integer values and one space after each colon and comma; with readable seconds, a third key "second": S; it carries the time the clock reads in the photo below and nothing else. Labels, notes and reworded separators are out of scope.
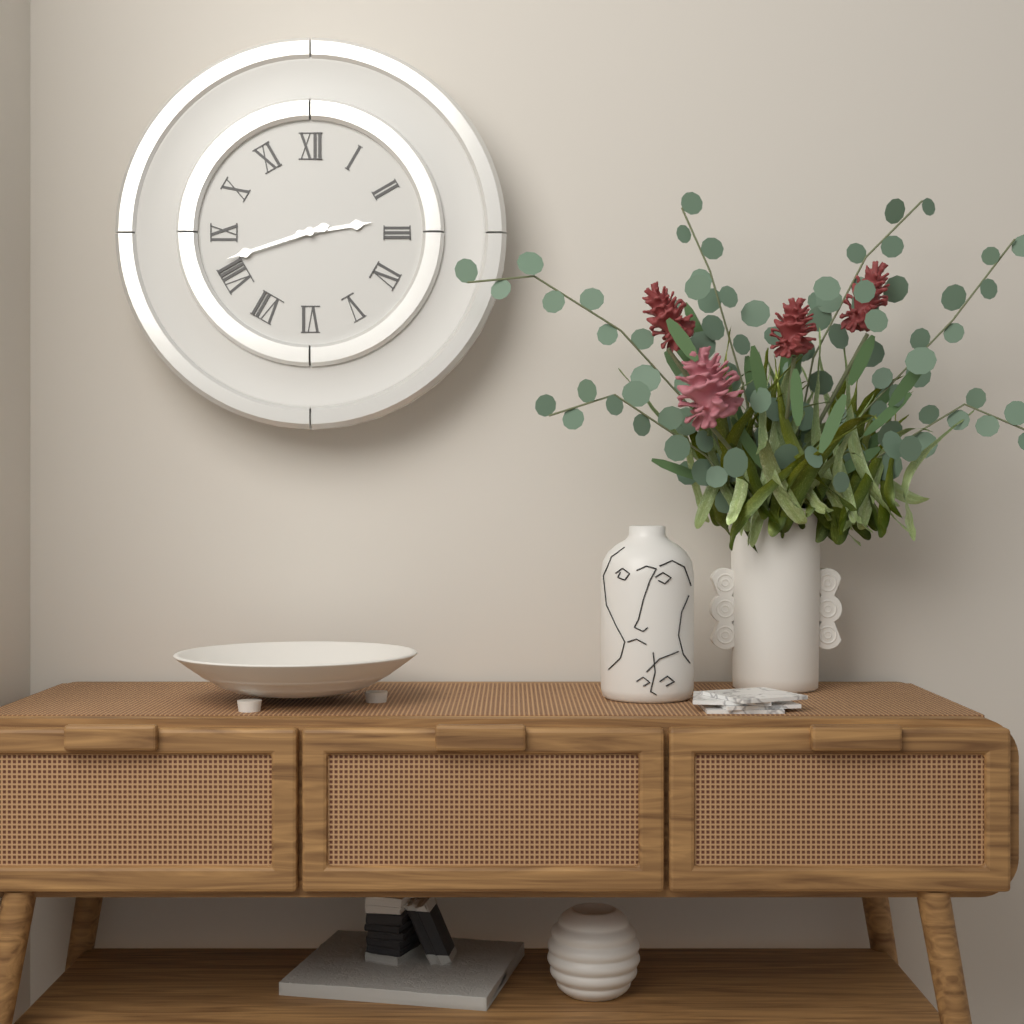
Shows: {"hour": 2, "minute": 42}
